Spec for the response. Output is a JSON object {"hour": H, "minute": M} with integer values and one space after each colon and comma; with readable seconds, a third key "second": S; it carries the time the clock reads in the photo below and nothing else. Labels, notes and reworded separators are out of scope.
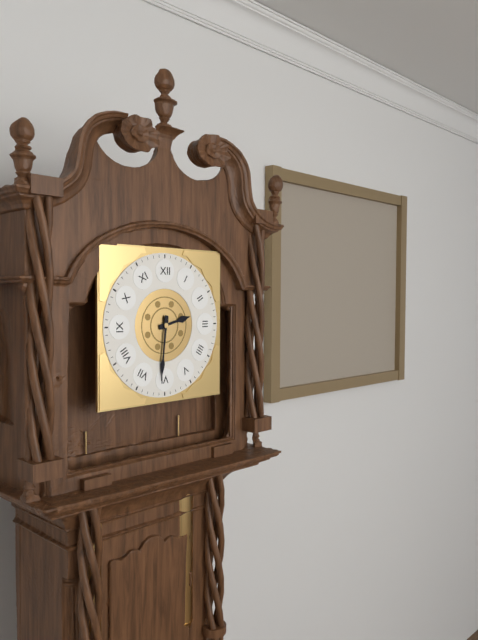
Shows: {"hour": 2, "minute": 31}
